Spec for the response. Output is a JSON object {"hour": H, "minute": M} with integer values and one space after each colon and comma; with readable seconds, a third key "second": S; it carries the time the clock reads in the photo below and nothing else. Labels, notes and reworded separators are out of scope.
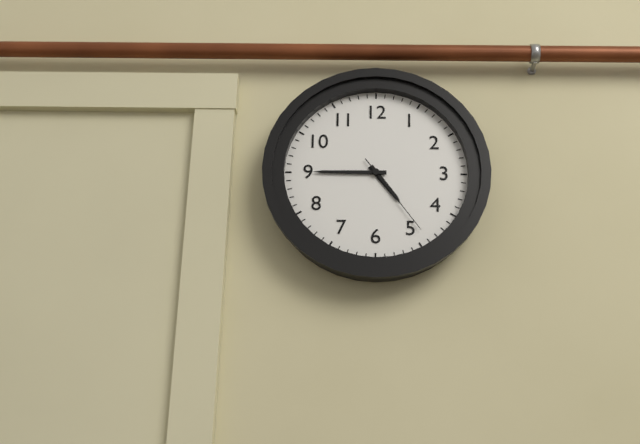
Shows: {"hour": 4, "minute": 45, "second": 24}
